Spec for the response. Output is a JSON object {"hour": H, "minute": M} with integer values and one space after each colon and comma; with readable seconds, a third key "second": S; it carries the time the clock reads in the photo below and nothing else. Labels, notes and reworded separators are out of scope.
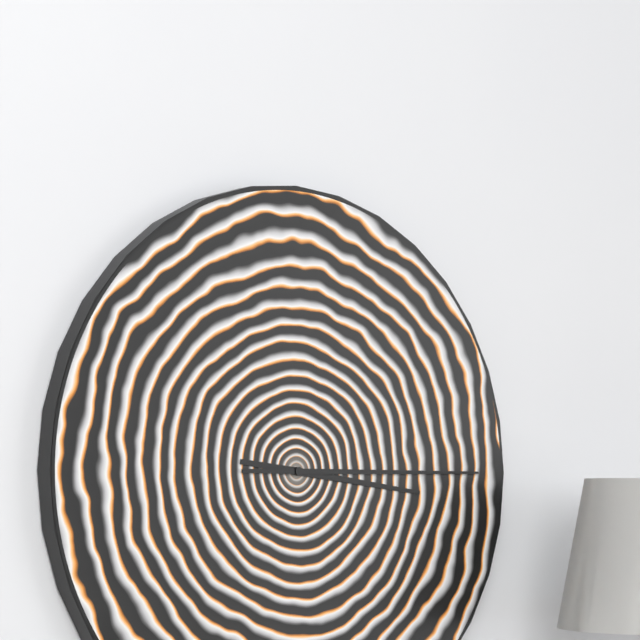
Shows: {"hour": 3, "minute": 15}
